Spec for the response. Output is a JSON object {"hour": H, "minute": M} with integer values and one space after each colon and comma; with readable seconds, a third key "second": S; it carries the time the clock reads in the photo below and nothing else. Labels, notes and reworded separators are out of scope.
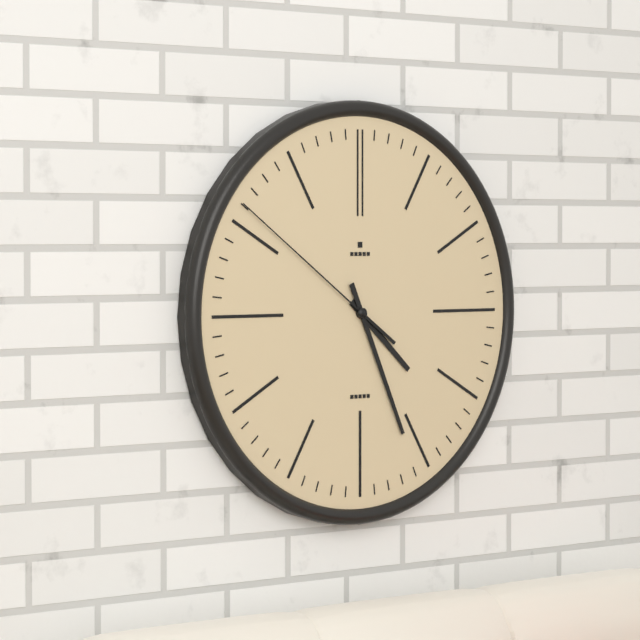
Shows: {"hour": 4, "minute": 26, "second": 51}
